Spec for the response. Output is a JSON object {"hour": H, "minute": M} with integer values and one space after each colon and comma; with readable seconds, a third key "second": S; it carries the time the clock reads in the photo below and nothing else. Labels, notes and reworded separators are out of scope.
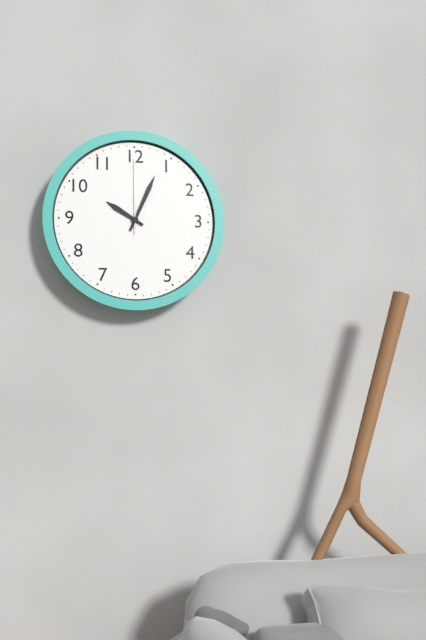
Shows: {"hour": 10, "minute": 4, "second": 0}
